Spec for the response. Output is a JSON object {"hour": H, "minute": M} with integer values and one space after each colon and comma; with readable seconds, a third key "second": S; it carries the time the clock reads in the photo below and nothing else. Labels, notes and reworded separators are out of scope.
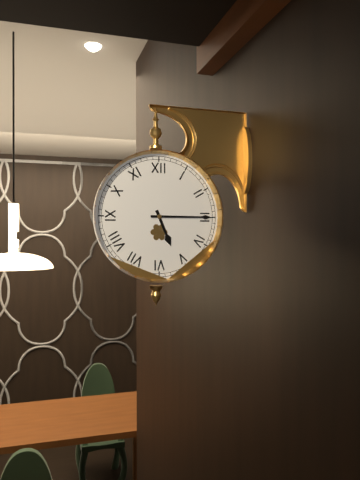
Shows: {"hour": 5, "minute": 15}
